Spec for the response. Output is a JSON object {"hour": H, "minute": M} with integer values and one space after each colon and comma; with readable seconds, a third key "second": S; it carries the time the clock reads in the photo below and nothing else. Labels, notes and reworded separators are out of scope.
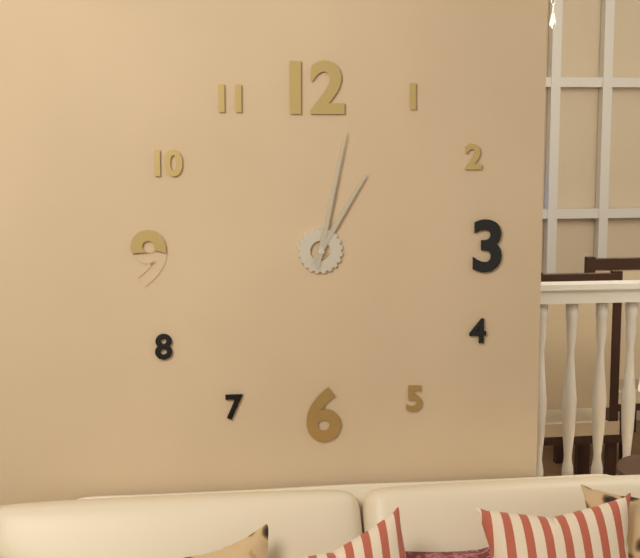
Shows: {"hour": 1, "minute": 2}
